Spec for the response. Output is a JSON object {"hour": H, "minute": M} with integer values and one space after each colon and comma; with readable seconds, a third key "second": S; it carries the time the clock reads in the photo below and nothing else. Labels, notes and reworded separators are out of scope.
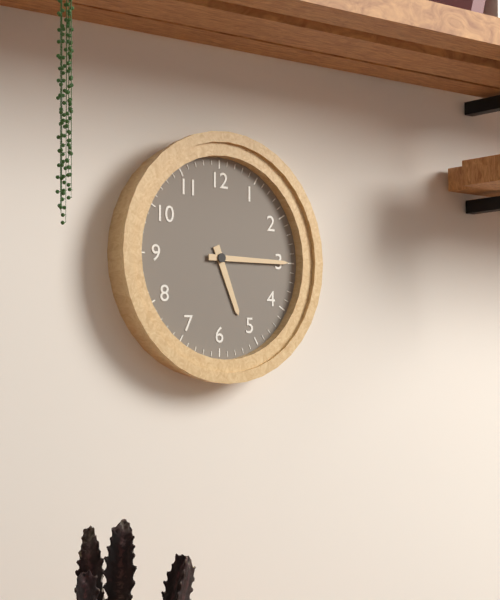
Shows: {"hour": 5, "minute": 15}
